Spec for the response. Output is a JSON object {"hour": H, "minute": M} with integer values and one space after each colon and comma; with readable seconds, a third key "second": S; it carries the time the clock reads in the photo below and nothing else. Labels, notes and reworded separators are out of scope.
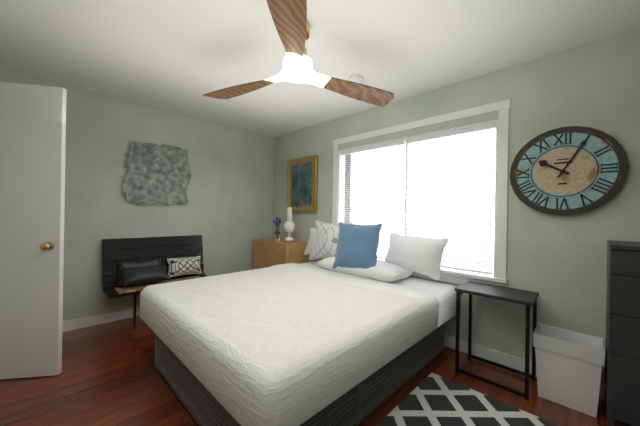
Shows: {"hour": 10, "minute": 5}
